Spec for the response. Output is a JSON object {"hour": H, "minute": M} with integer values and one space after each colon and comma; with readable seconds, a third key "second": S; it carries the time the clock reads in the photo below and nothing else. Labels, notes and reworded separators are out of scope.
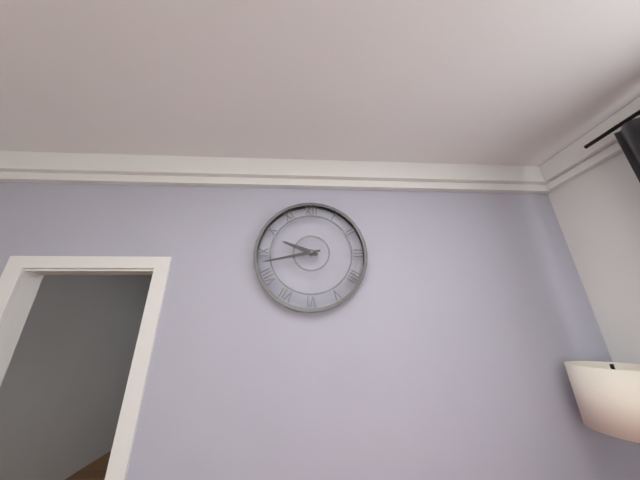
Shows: {"hour": 9, "minute": 43}
